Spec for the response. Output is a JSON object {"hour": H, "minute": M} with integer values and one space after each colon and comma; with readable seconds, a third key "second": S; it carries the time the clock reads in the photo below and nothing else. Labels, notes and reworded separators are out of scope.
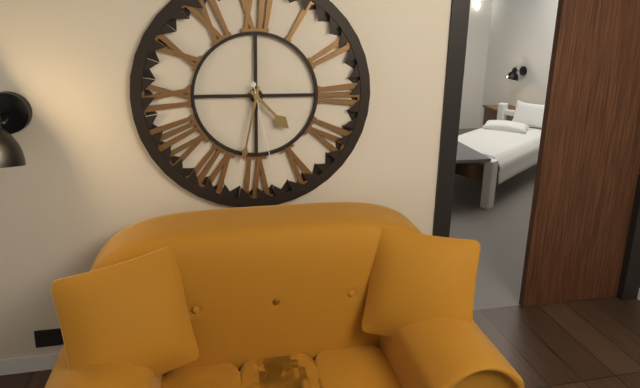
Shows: {"hour": 4, "minute": 32, "second": 28}
